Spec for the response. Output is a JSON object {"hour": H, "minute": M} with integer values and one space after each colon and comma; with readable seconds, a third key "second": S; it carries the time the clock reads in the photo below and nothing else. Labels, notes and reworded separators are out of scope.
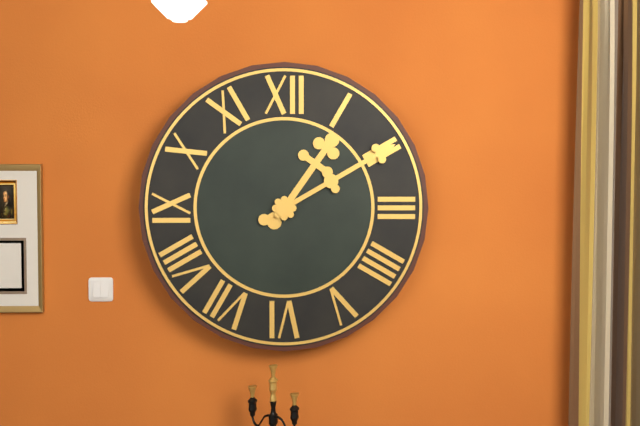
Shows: {"hour": 1, "minute": 10}
